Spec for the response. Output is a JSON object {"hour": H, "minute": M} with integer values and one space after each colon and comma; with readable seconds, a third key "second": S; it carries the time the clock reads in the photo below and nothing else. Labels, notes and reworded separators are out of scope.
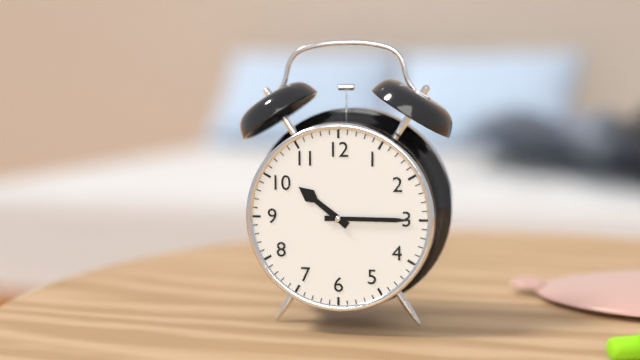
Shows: {"hour": 10, "minute": 15}
